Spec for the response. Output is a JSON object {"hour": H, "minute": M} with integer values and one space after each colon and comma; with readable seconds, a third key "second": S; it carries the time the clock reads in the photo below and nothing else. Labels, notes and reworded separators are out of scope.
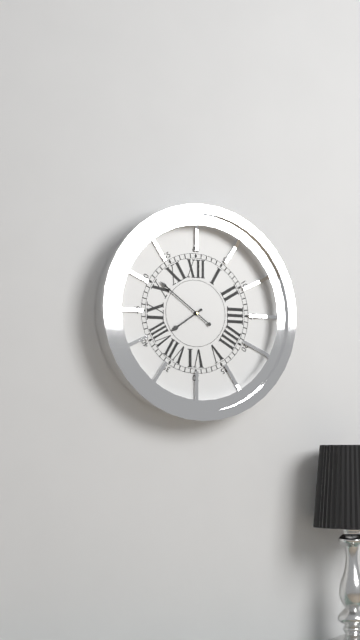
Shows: {"hour": 7, "minute": 51}
